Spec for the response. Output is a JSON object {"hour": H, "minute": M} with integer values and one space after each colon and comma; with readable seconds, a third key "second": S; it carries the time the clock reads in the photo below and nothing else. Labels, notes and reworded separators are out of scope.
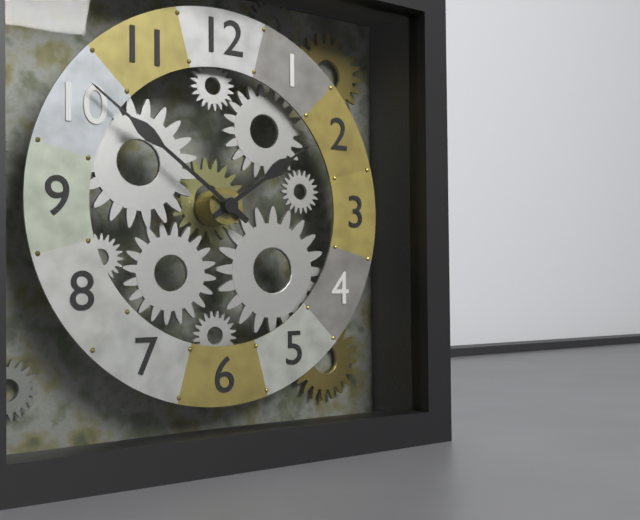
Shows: {"hour": 1, "minute": 51}
